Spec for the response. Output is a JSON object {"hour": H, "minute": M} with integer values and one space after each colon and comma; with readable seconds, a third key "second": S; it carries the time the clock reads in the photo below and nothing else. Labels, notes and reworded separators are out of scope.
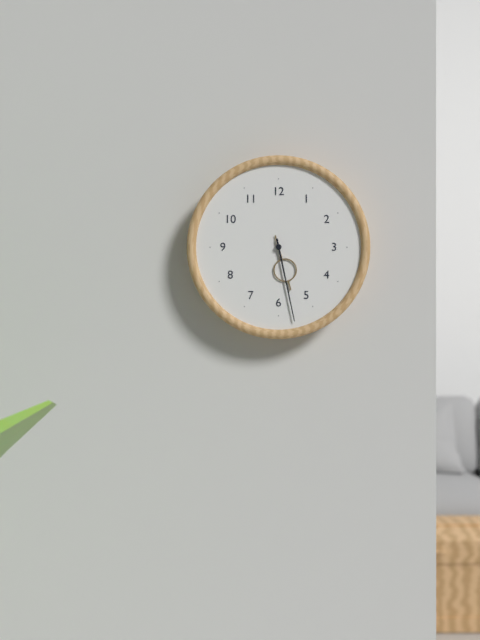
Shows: {"hour": 5, "minute": 28}
